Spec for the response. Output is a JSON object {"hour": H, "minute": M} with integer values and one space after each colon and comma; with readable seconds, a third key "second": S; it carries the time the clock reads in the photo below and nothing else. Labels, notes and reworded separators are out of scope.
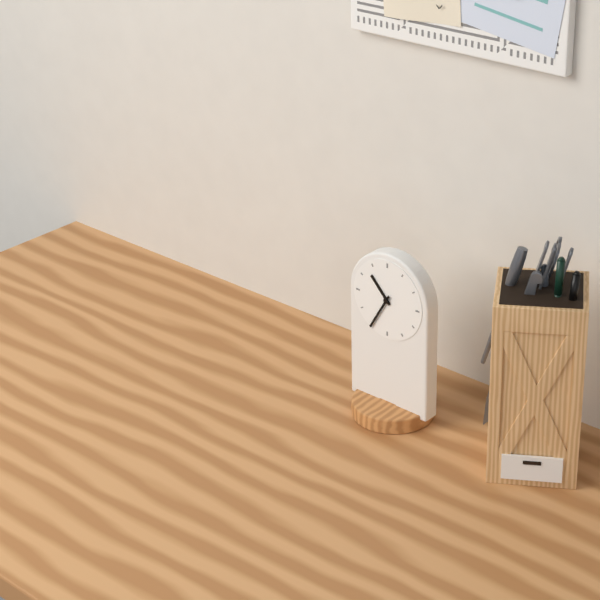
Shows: {"hour": 10, "minute": 35}
